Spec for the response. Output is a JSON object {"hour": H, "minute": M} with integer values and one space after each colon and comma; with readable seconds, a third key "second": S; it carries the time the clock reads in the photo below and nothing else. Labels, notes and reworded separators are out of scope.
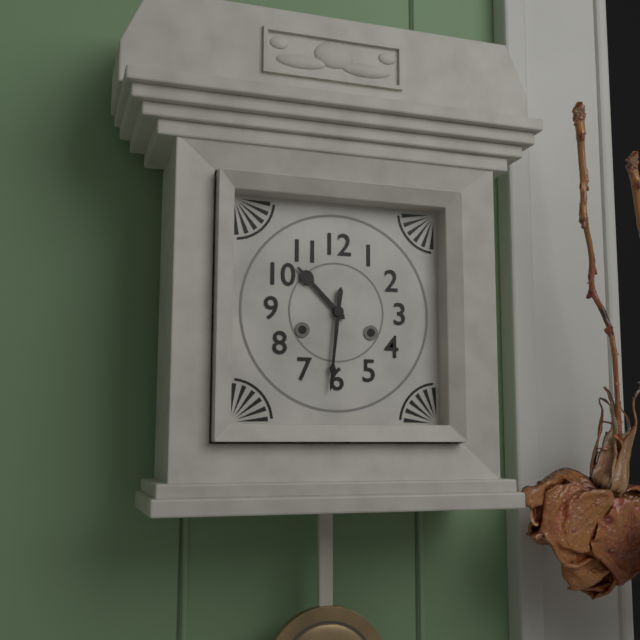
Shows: {"hour": 10, "minute": 31}
